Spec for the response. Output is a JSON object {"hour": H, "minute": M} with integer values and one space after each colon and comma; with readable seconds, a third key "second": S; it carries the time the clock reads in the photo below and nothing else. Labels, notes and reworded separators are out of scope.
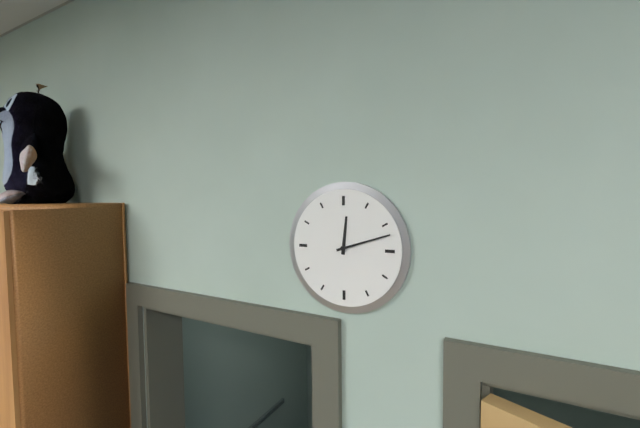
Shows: {"hour": 12, "minute": 12}
